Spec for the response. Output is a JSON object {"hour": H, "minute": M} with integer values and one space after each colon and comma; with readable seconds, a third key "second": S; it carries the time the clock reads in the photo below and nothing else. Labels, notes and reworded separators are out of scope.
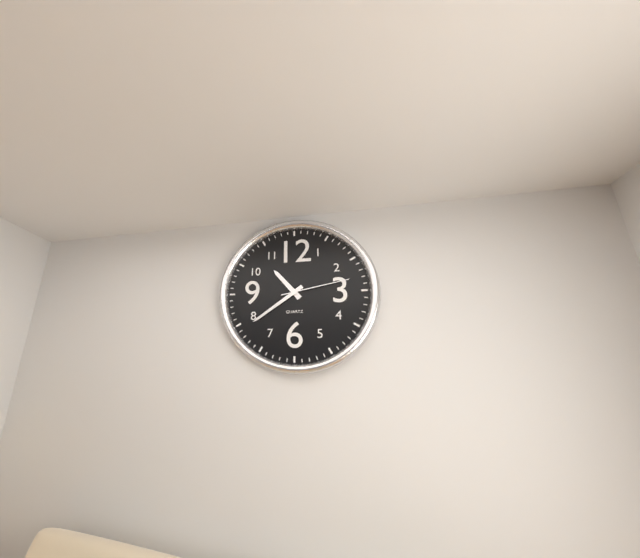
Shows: {"hour": 10, "minute": 39, "second": 13}
